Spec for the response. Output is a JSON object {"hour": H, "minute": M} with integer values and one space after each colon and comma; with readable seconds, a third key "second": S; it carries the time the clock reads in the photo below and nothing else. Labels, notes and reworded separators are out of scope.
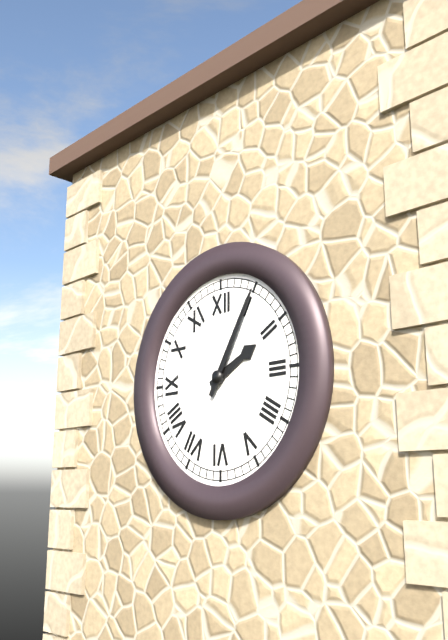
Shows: {"hour": 2, "minute": 5}
